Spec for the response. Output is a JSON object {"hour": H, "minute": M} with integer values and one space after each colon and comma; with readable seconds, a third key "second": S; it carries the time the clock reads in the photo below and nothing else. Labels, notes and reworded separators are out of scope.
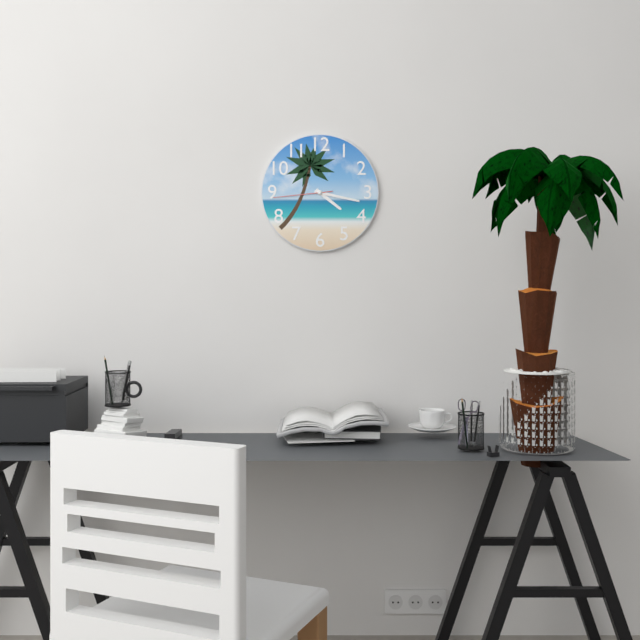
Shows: {"hour": 4, "minute": 17, "second": 44}
